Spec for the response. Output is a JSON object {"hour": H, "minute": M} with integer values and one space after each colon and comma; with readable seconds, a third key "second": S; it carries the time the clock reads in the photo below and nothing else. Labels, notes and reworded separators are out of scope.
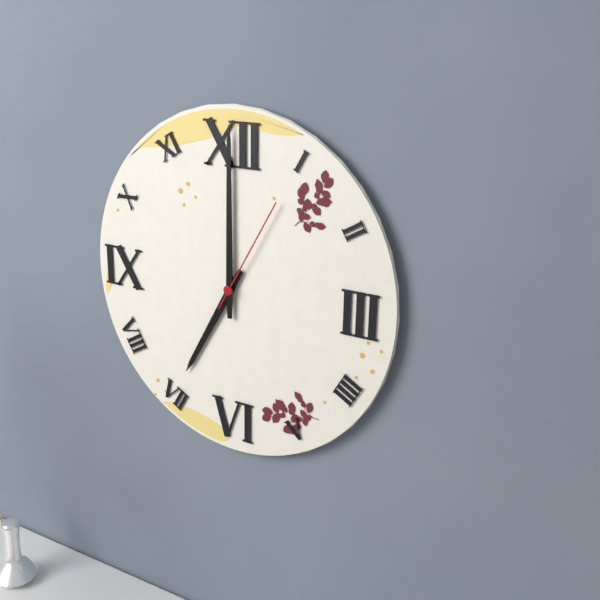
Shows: {"hour": 7, "minute": 0, "second": 5}
